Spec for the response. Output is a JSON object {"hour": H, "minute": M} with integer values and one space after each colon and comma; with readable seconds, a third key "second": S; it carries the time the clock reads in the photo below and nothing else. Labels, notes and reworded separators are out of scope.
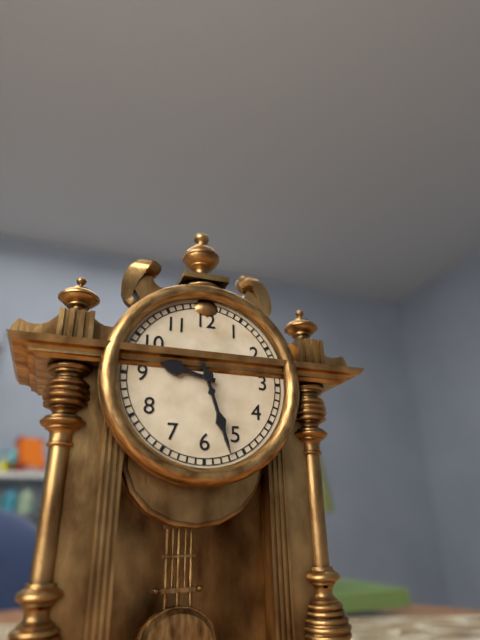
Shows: {"hour": 9, "minute": 27}
